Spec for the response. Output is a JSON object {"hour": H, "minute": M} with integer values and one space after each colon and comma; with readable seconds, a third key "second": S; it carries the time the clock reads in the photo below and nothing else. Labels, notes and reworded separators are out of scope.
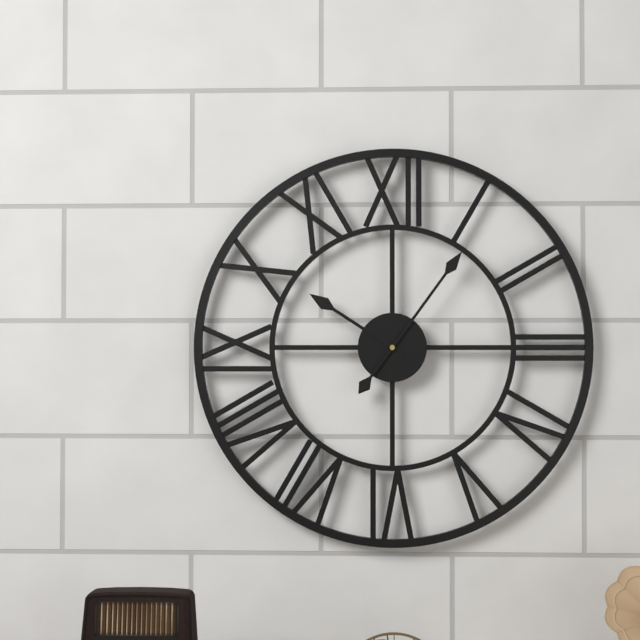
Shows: {"hour": 10, "minute": 6}
